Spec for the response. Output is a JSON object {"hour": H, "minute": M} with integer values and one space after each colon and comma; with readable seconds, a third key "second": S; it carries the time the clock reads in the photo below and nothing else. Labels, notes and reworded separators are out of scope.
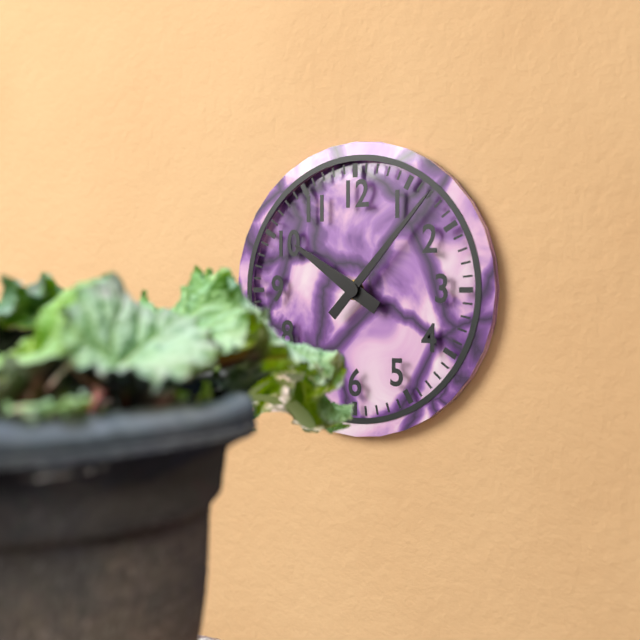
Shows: {"hour": 10, "minute": 7}
